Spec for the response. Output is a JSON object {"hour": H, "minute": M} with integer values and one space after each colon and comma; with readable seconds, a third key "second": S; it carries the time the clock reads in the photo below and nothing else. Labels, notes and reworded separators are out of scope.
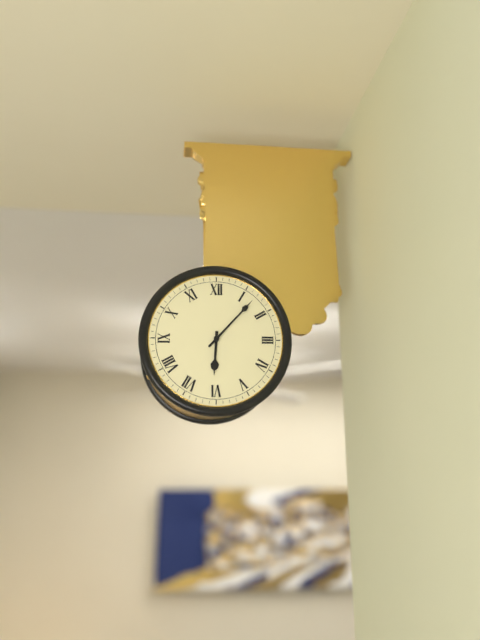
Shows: {"hour": 6, "minute": 7}
